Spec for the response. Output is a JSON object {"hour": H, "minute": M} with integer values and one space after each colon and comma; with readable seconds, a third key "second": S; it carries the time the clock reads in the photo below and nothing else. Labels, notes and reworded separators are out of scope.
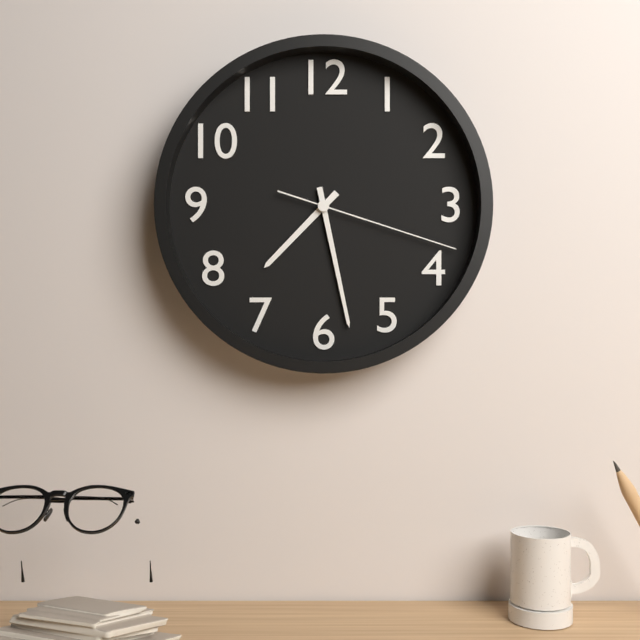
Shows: {"hour": 7, "minute": 28, "second": 18}
